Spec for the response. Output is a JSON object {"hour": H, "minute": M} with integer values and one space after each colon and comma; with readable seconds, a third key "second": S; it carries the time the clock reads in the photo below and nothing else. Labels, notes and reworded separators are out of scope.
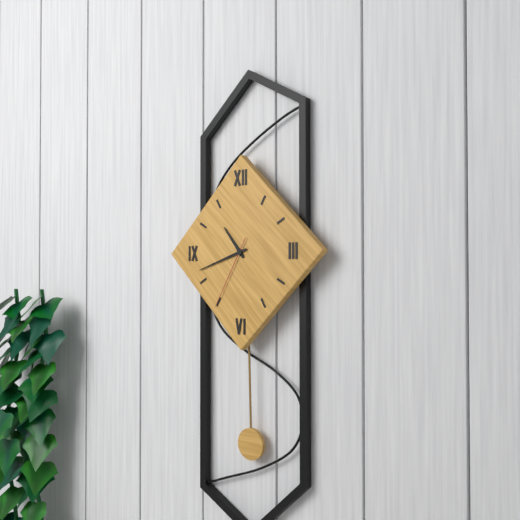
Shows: {"hour": 10, "minute": 42, "second": 35}
